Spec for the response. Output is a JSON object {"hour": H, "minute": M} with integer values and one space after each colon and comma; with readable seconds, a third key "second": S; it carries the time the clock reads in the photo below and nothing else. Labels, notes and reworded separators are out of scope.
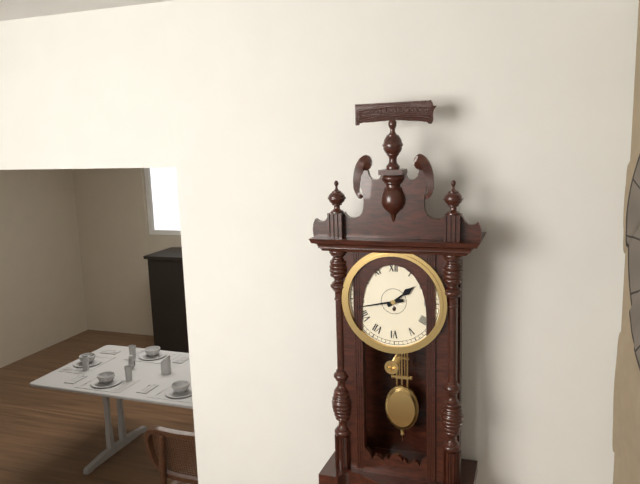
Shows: {"hour": 1, "minute": 43}
